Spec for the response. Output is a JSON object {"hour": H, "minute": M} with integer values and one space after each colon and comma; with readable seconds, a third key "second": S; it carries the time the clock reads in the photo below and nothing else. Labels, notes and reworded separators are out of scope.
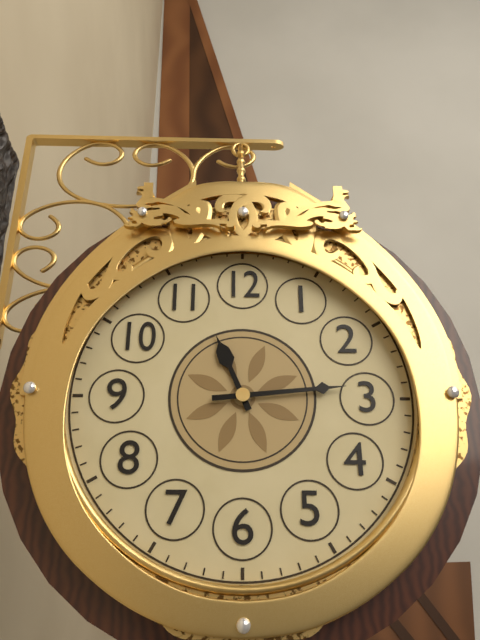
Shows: {"hour": 11, "minute": 14}
